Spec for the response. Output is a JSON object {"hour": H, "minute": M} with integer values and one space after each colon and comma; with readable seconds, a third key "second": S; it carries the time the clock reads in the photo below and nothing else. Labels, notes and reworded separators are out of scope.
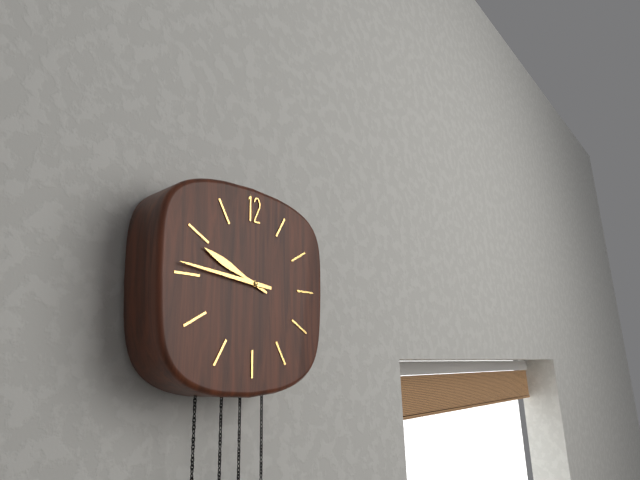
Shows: {"hour": 9, "minute": 46}
